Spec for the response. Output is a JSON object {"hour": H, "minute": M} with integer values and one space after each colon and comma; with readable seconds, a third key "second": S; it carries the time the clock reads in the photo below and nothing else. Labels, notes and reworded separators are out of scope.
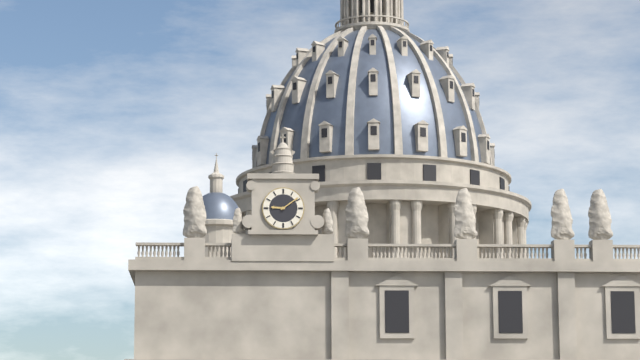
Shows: {"hour": 9, "minute": 9}
